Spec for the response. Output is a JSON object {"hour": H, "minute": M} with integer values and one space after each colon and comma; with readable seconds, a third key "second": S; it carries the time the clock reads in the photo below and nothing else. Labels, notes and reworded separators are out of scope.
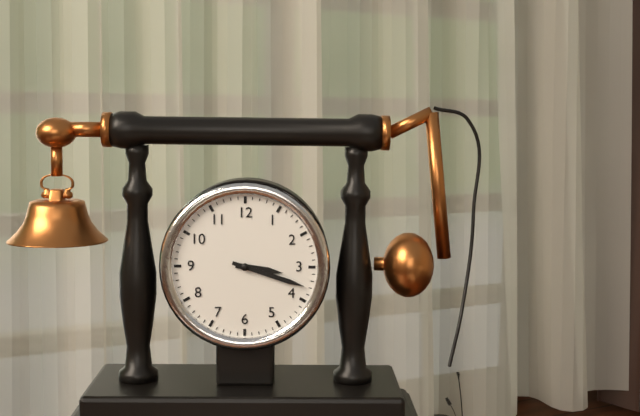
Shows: {"hour": 3, "minute": 18}
